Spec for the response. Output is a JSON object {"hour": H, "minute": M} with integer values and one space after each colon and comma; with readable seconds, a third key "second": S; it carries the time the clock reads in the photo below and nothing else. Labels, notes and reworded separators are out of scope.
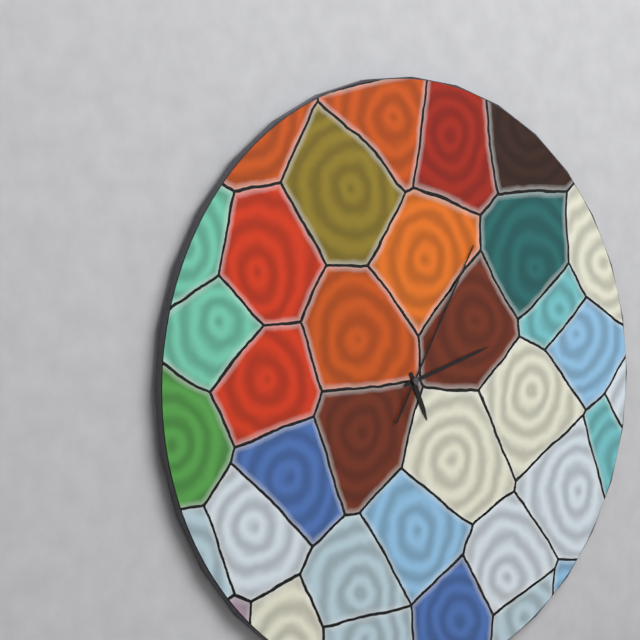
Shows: {"hour": 5, "minute": 12, "second": 5}
